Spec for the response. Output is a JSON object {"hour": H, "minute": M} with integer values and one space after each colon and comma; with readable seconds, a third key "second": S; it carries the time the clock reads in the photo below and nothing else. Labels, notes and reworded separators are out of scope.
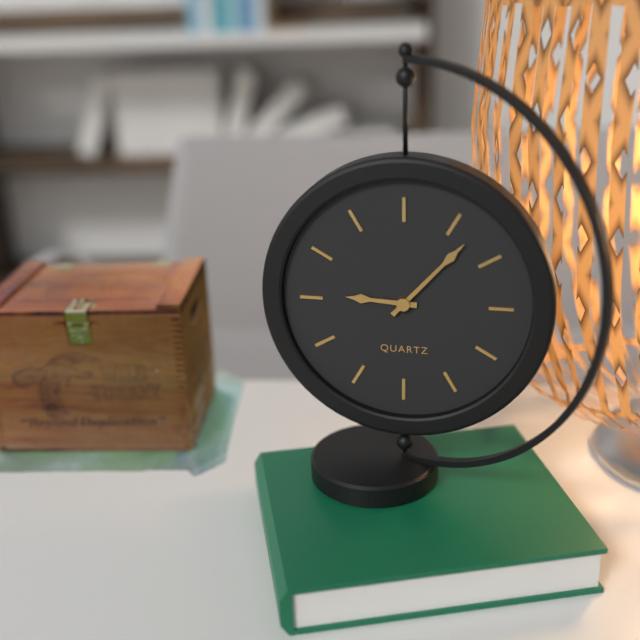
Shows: {"hour": 9, "minute": 7}
